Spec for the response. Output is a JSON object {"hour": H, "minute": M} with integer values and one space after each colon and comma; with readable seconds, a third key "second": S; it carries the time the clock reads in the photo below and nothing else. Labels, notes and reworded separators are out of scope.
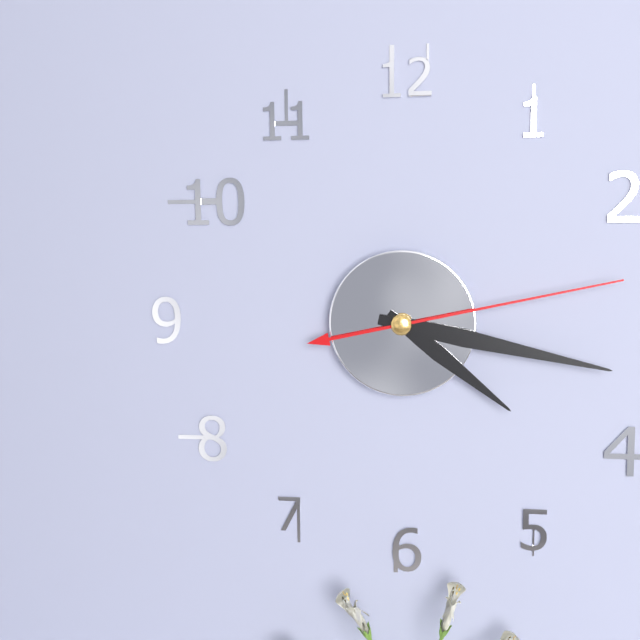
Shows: {"hour": 4, "minute": 17, "second": 13}
